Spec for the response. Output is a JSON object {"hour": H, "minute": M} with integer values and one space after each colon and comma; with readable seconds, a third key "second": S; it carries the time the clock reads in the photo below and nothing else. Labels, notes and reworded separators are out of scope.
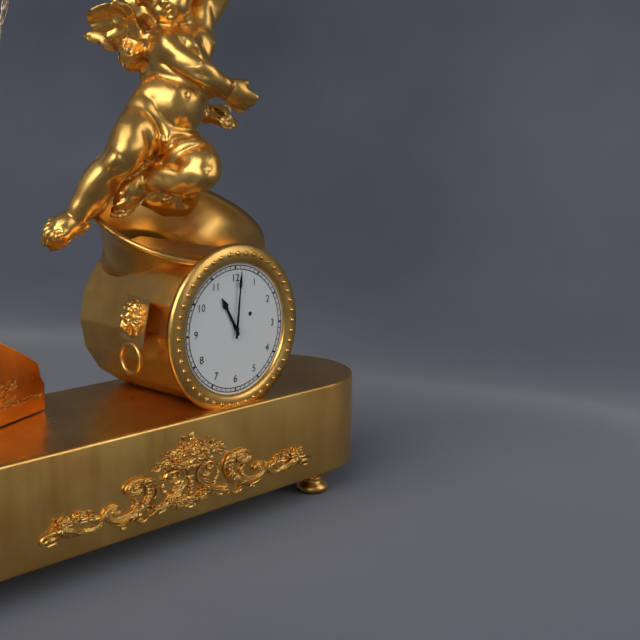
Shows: {"hour": 11, "minute": 1}
